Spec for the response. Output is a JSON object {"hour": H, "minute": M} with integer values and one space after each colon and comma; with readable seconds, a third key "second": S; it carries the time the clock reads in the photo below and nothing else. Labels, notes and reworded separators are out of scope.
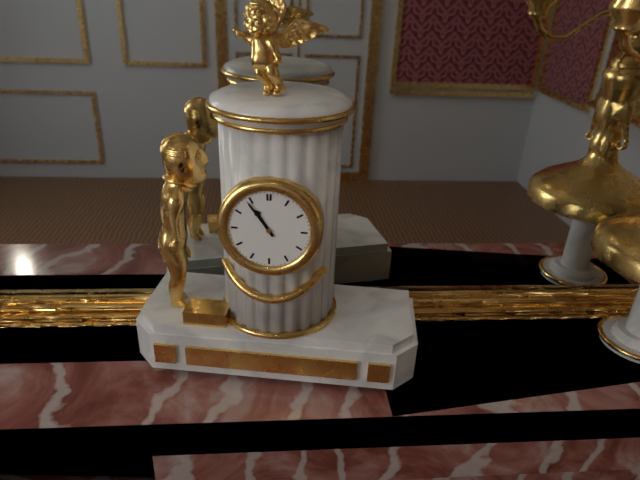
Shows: {"hour": 10, "minute": 54}
